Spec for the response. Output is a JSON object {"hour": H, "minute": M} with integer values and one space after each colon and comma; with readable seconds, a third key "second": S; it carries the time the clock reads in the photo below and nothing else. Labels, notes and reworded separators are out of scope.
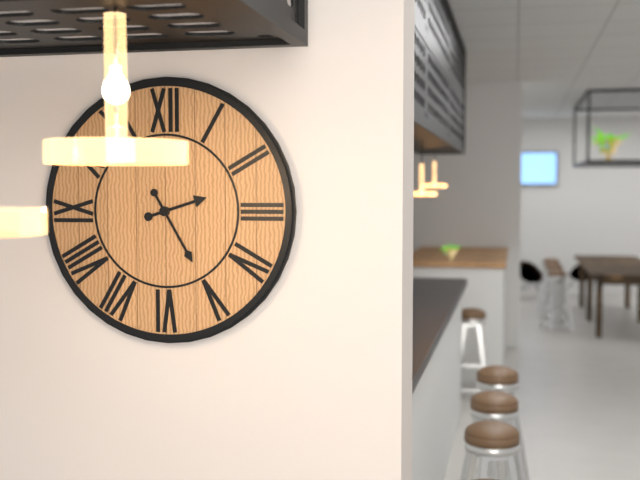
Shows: {"hour": 2, "minute": 25}
